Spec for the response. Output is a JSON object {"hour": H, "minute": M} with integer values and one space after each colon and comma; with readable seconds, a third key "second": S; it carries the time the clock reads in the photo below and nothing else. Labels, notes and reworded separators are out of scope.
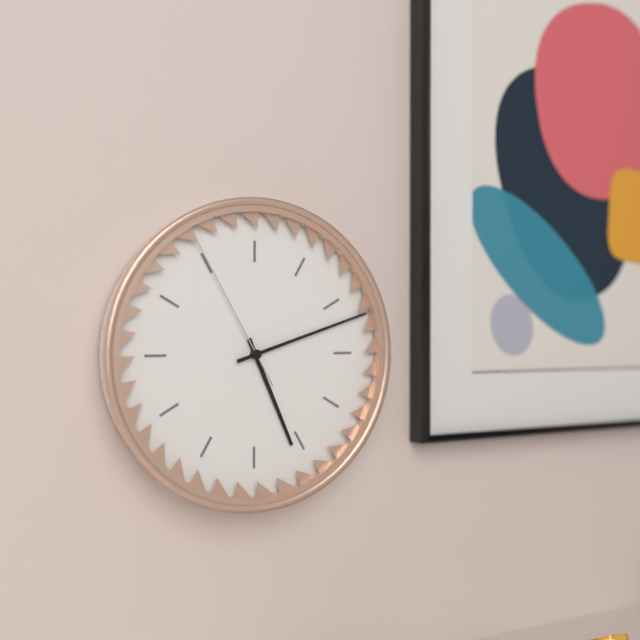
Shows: {"hour": 5, "minute": 12, "second": 55}
